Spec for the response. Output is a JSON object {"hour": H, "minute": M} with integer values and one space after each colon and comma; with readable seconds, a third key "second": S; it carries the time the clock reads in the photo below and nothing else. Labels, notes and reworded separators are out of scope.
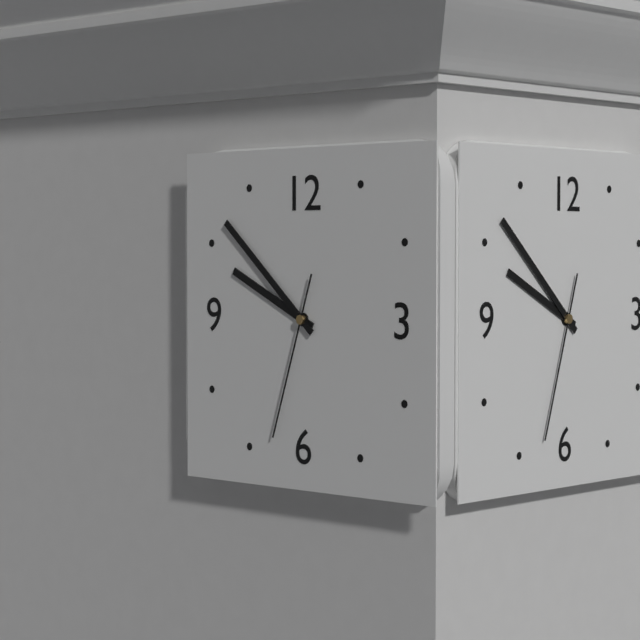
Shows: {"hour": 9, "minute": 52, "second": 33}
